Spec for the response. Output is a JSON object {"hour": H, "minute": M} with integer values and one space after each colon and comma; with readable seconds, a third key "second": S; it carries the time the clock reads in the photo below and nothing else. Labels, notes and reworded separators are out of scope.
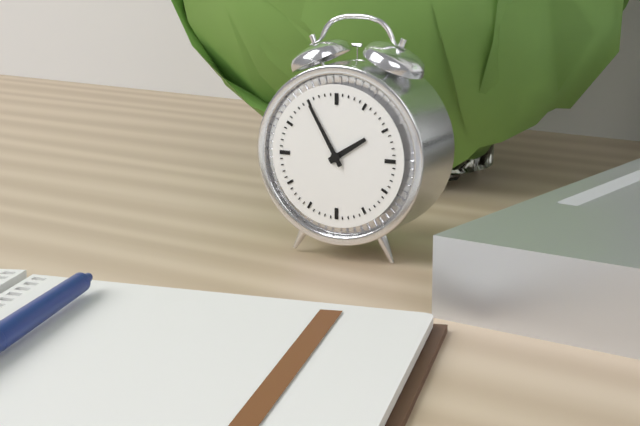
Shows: {"hour": 1, "minute": 55}
